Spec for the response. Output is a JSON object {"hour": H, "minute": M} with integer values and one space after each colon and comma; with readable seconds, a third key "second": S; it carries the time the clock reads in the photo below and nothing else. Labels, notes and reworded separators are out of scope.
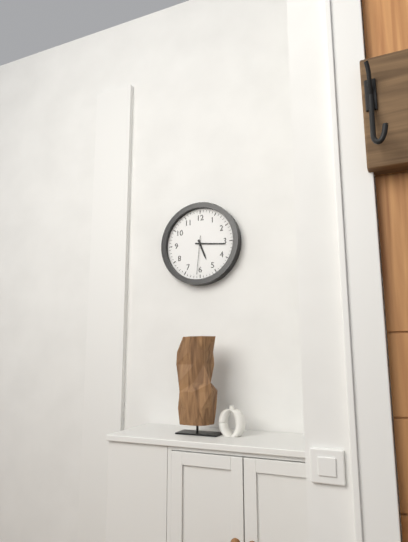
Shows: {"hour": 5, "minute": 16}
